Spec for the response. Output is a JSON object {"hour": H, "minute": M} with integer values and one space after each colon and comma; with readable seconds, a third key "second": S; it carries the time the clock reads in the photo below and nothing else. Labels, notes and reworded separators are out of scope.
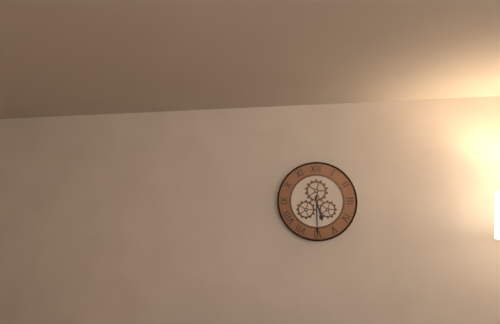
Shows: {"hour": 5, "minute": 30}
